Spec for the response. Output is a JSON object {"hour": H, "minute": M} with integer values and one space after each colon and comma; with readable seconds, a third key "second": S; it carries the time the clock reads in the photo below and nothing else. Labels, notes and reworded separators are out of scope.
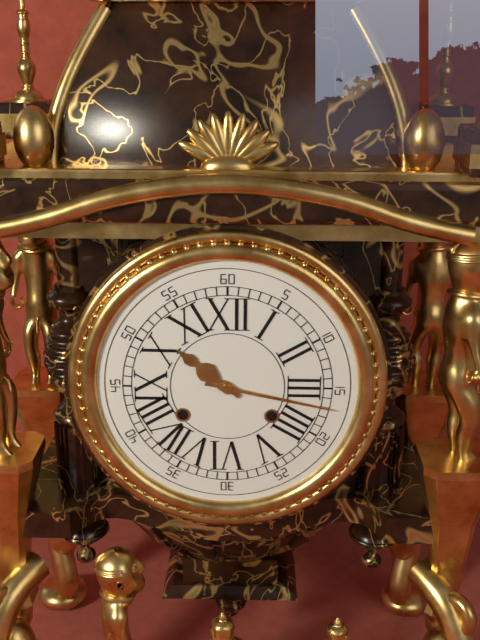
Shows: {"hour": 10, "minute": 17}
